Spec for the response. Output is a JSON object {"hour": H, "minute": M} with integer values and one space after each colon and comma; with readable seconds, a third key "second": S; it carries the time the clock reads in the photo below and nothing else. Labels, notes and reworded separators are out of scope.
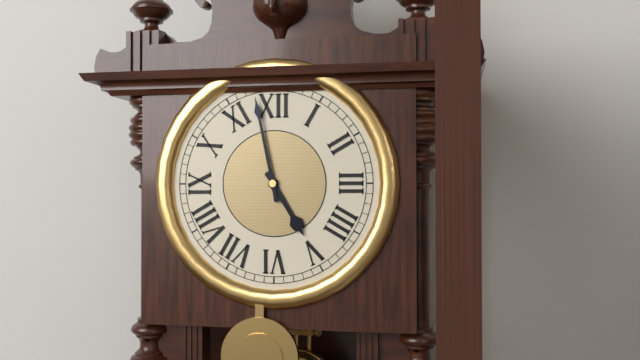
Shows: {"hour": 4, "minute": 58}
